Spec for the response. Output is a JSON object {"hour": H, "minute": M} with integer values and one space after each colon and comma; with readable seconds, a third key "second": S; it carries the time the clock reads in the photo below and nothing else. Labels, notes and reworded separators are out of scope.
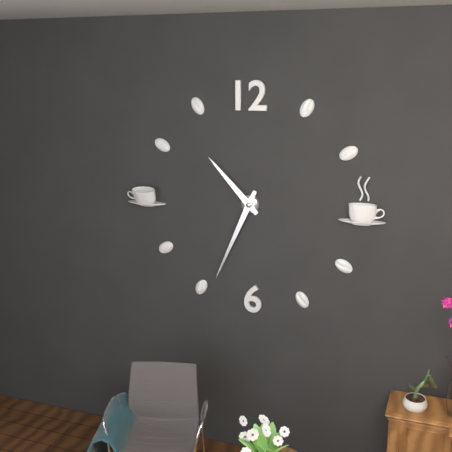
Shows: {"hour": 10, "minute": 34}
